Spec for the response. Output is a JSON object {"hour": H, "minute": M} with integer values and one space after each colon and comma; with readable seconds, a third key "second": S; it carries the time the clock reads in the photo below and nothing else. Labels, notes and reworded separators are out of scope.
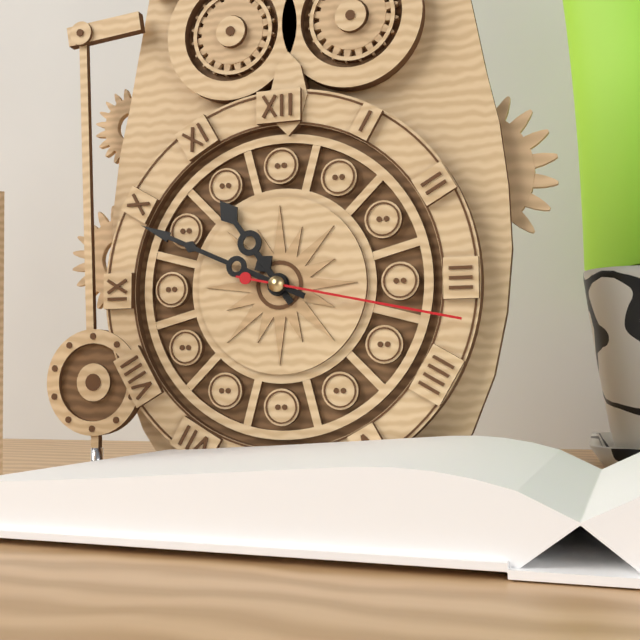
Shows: {"hour": 10, "minute": 49, "second": 17}
